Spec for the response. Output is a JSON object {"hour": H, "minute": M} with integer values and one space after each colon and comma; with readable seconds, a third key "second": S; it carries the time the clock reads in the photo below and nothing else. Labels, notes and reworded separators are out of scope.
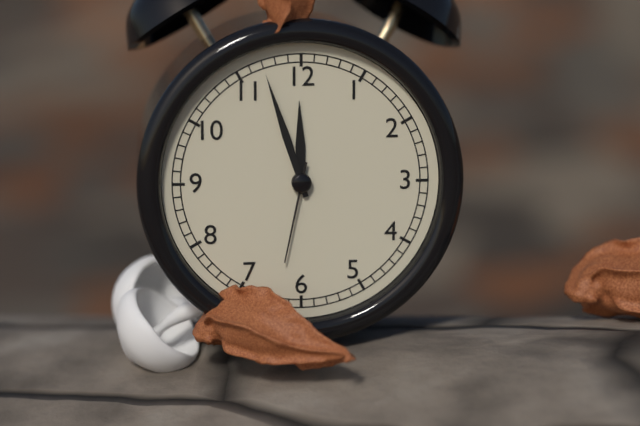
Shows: {"hour": 11, "minute": 57, "second": 32}
